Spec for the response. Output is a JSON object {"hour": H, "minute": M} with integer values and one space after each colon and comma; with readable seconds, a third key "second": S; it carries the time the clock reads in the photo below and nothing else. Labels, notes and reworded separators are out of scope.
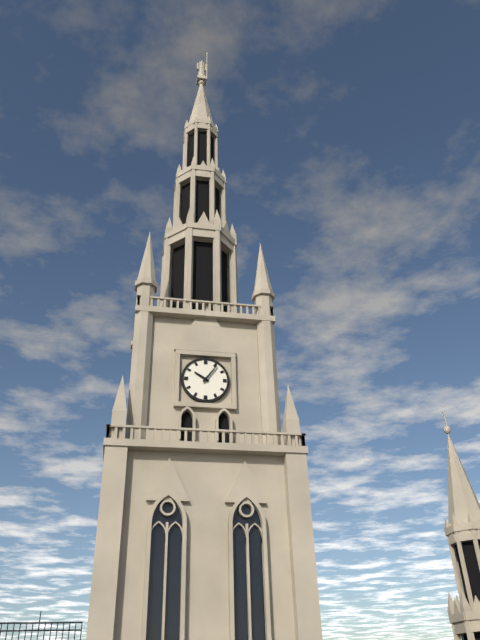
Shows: {"hour": 10, "minute": 6}
